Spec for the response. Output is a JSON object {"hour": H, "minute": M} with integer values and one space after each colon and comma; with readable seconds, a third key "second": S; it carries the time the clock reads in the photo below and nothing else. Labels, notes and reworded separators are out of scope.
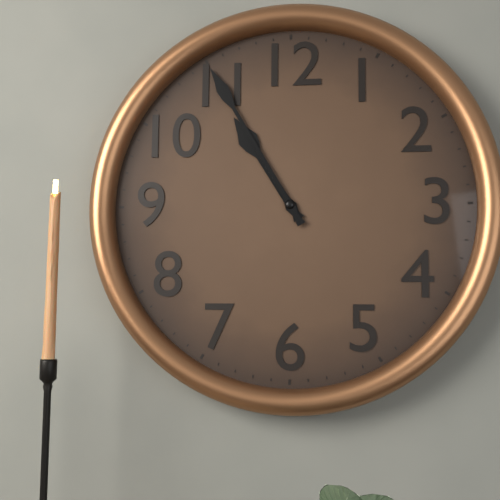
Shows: {"hour": 10, "minute": 55}
